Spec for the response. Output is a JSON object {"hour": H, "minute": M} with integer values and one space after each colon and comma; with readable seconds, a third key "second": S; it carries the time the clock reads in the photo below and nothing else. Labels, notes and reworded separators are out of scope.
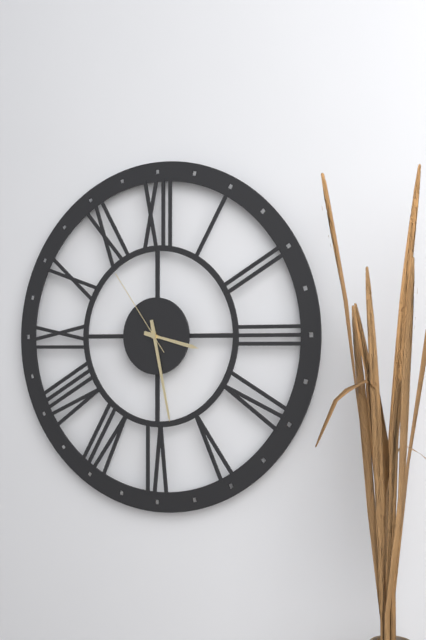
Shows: {"hour": 3, "minute": 28, "second": 54}
